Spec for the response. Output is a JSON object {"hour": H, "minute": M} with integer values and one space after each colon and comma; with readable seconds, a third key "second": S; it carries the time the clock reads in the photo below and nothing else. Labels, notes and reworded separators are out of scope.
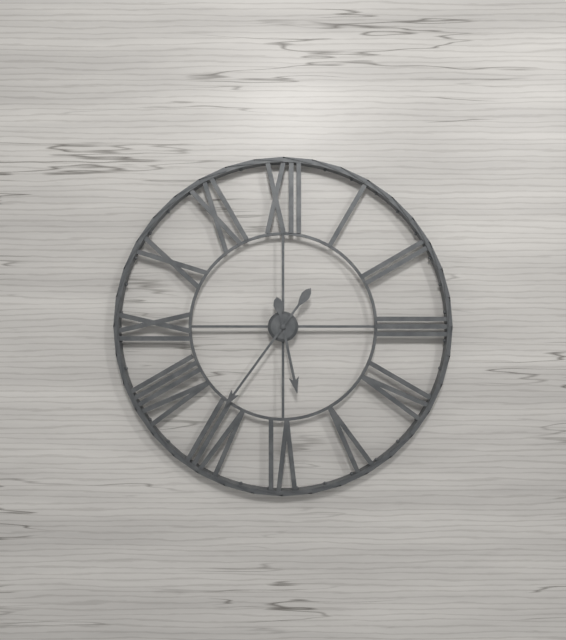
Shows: {"hour": 5, "minute": 36}
